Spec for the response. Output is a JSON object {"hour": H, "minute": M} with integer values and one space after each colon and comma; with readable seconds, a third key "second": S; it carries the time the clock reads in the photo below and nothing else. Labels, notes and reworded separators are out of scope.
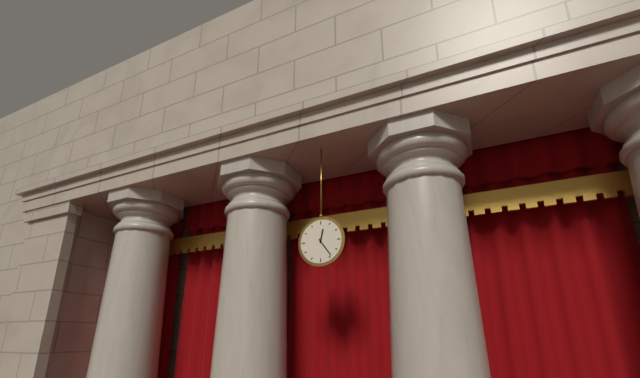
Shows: {"hour": 12, "minute": 24}
